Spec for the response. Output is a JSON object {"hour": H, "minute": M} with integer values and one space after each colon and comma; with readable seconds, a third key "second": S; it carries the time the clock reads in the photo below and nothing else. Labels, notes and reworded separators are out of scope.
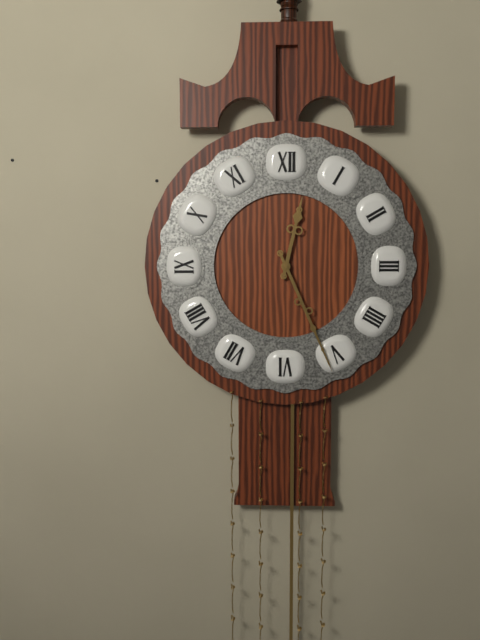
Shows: {"hour": 12, "minute": 26}
